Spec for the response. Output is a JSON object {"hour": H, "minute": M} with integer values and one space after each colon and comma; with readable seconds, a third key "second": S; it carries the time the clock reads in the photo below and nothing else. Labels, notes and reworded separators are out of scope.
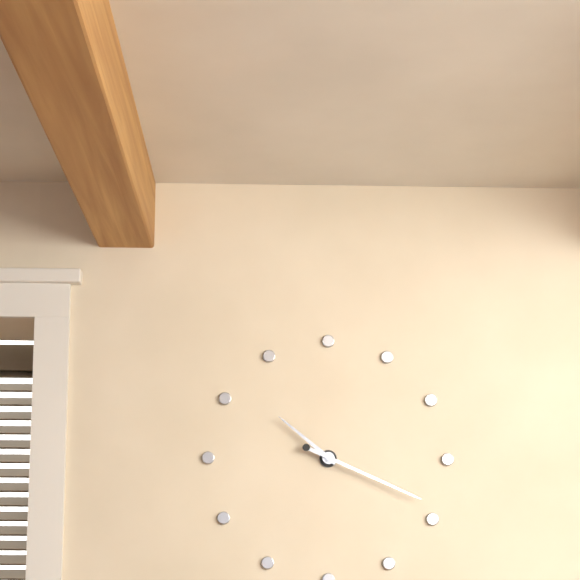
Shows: {"hour": 10, "minute": 19}
